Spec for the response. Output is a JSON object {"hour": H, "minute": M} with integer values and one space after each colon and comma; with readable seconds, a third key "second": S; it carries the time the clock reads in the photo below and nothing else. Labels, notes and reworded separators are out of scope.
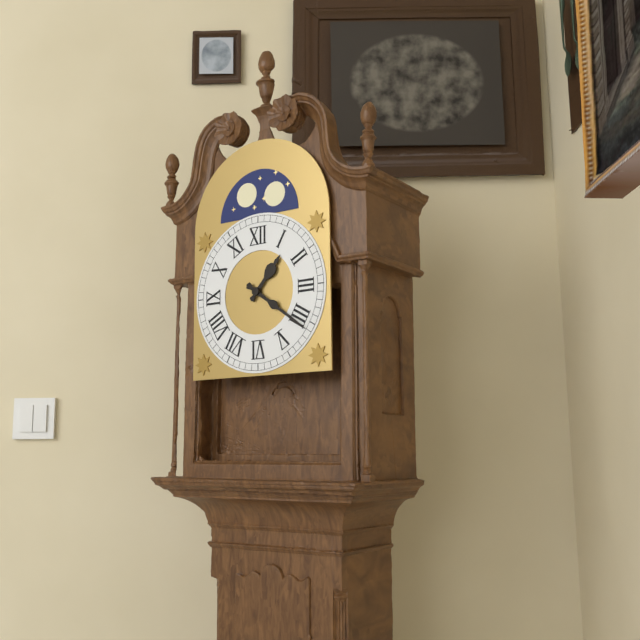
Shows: {"hour": 1, "minute": 21}
